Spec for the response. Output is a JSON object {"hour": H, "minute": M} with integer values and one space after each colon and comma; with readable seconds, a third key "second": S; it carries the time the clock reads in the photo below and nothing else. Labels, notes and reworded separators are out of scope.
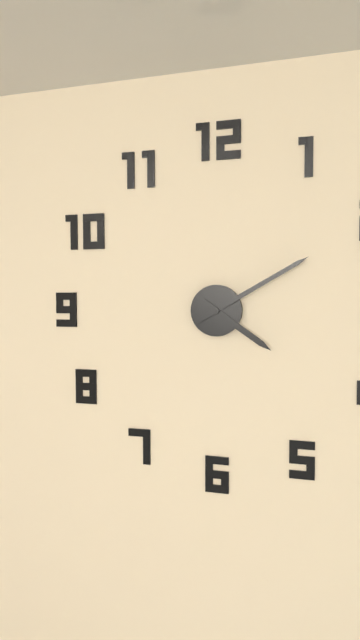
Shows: {"hour": 4, "minute": 10}
